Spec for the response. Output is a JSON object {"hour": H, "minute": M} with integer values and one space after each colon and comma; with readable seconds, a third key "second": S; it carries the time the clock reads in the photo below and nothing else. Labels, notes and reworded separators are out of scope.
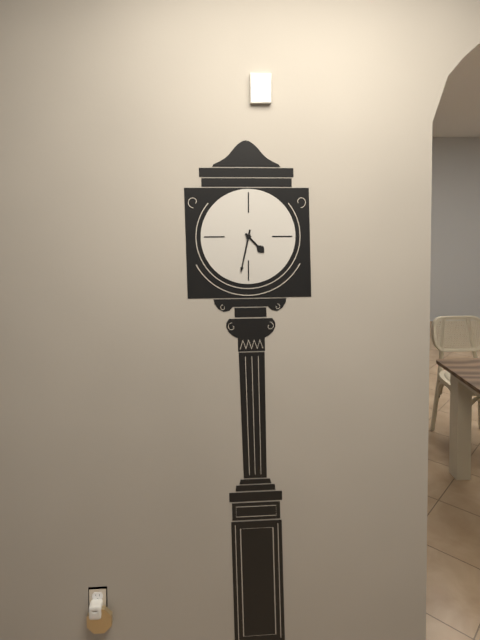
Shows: {"hour": 4, "minute": 32}
